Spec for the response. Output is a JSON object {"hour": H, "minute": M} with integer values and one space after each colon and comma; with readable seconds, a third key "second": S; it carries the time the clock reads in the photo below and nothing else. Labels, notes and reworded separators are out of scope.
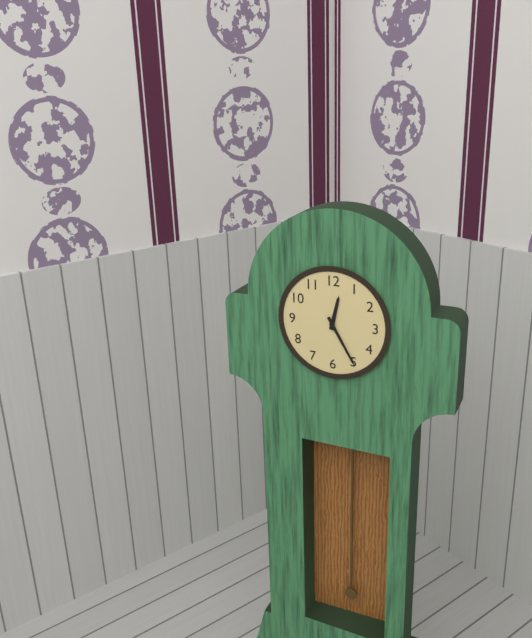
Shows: {"hour": 12, "minute": 25}
